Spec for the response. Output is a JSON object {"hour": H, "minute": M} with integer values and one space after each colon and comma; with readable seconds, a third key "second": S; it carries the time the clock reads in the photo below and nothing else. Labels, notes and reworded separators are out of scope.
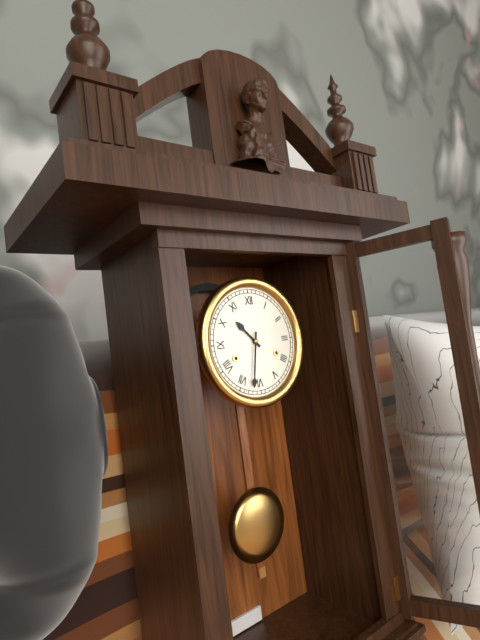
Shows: {"hour": 10, "minute": 32}
